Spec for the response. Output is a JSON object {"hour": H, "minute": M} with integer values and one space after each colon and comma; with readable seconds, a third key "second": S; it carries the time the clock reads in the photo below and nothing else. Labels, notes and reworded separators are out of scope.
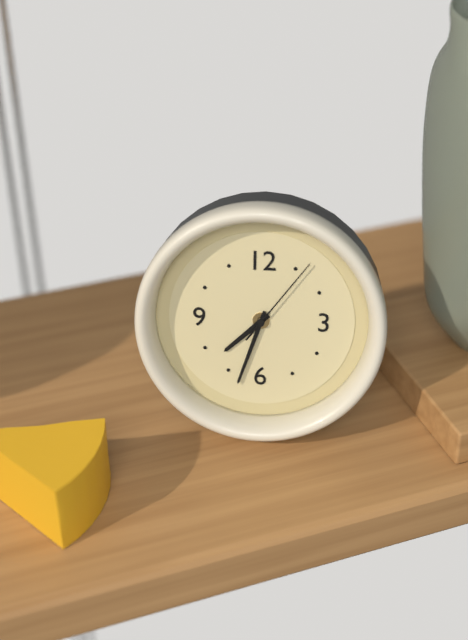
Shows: {"hour": 7, "minute": 33, "second": 6}
